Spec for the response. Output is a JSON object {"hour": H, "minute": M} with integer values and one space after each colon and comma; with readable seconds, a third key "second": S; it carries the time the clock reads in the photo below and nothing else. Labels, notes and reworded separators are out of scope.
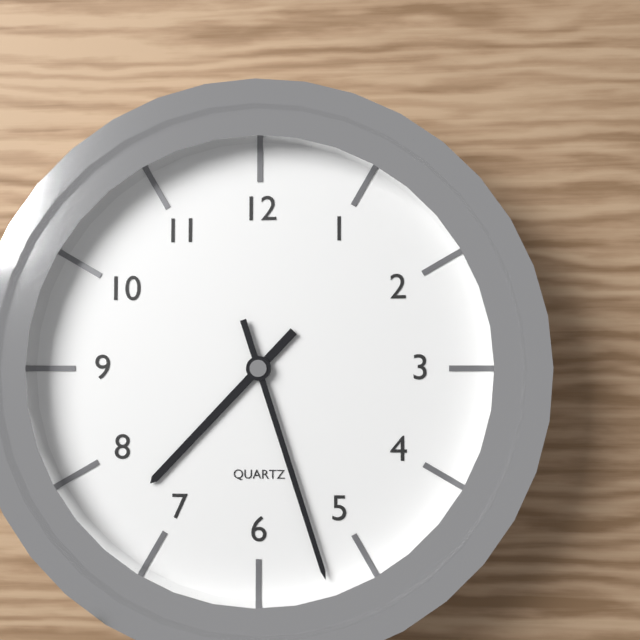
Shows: {"hour": 7, "minute": 27}
